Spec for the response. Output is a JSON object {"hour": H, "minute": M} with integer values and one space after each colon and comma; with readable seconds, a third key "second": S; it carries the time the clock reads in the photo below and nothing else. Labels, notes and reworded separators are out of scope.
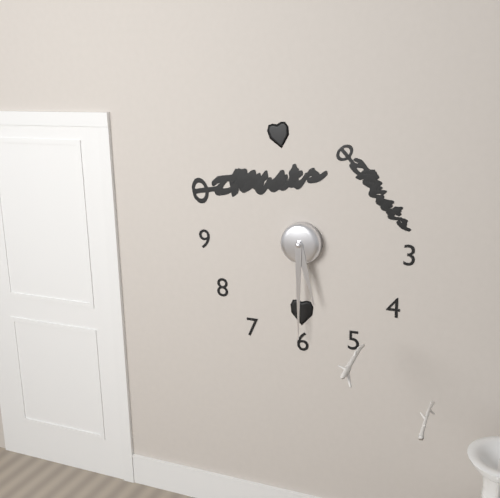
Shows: {"hour": 5, "minute": 30}
